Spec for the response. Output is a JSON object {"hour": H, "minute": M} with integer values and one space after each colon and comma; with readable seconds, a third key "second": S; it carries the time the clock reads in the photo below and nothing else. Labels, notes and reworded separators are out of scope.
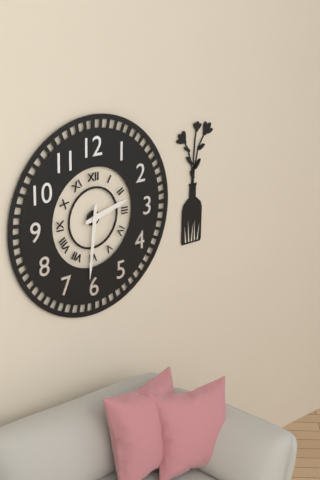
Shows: {"hour": 2, "minute": 31}
